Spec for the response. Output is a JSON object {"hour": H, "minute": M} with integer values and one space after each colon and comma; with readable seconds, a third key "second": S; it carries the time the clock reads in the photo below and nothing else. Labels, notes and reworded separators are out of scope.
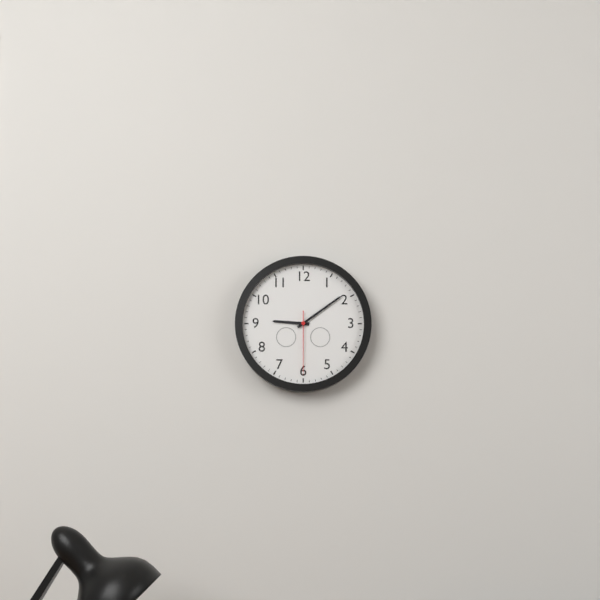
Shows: {"hour": 9, "minute": 9, "second": 30}
